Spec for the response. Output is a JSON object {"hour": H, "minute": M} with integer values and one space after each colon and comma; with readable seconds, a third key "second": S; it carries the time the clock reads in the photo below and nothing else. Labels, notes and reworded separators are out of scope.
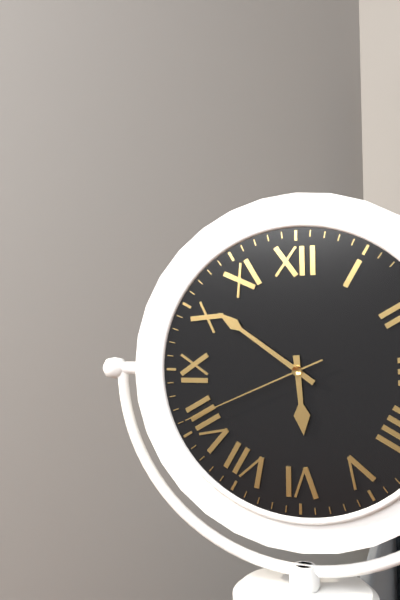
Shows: {"hour": 5, "minute": 51, "second": 41}
